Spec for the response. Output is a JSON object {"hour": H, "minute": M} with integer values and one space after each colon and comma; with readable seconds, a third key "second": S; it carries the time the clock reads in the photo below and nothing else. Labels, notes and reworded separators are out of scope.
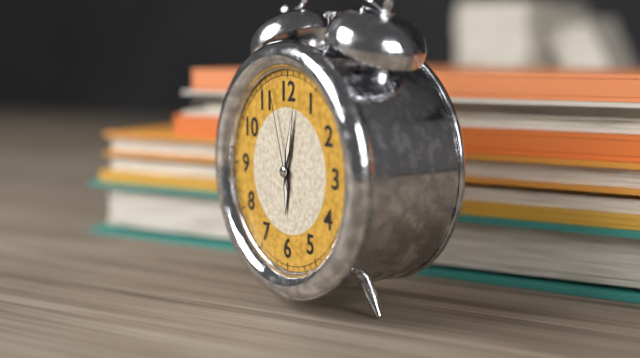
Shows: {"hour": 6, "minute": 2, "second": 57}
